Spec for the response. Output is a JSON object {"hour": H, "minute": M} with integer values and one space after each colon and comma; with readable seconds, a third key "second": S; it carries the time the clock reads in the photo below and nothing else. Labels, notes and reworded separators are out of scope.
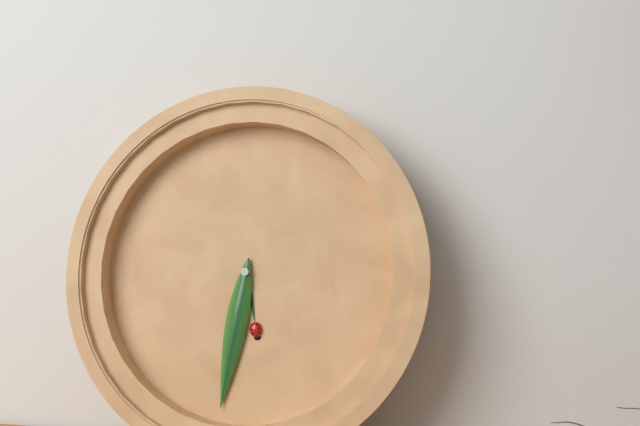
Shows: {"hour": 5, "minute": 31}
